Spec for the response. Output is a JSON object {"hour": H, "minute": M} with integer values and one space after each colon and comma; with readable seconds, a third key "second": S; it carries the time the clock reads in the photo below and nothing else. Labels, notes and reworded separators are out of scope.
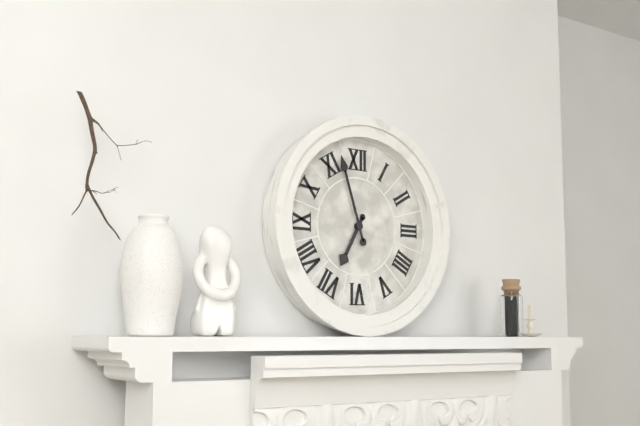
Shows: {"hour": 6, "minute": 57}
